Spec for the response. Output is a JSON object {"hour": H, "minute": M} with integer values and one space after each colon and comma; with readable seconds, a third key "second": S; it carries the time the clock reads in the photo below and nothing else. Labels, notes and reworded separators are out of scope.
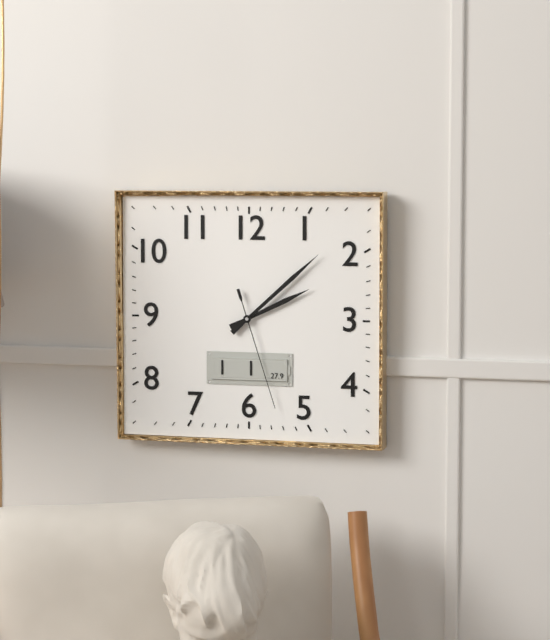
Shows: {"hour": 2, "minute": 8, "second": 27}
